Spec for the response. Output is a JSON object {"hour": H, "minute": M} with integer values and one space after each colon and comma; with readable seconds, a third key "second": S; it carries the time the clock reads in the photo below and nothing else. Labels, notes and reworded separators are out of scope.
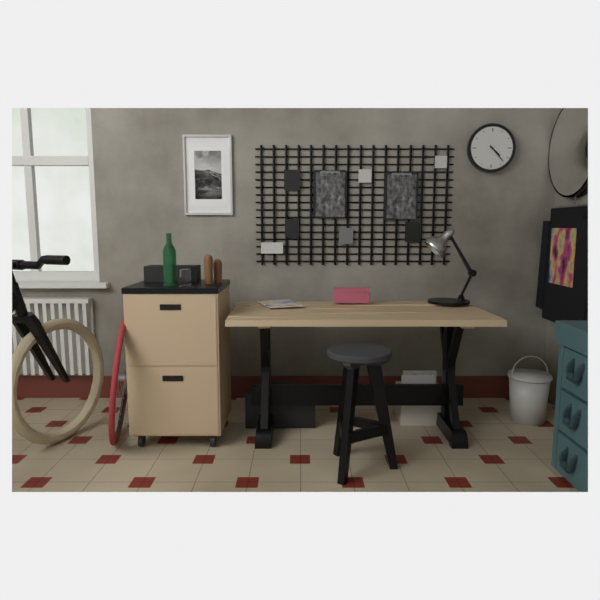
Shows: {"hour": 4, "minute": 23}
